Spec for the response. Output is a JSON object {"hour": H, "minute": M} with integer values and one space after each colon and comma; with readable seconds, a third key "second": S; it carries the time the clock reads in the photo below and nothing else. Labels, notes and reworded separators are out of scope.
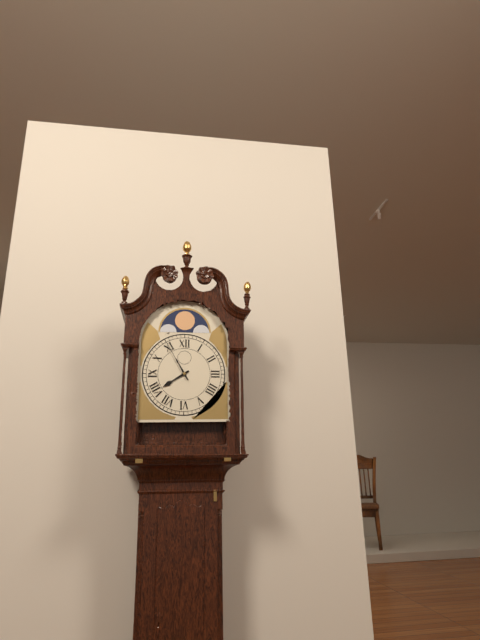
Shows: {"hour": 7, "minute": 55}
